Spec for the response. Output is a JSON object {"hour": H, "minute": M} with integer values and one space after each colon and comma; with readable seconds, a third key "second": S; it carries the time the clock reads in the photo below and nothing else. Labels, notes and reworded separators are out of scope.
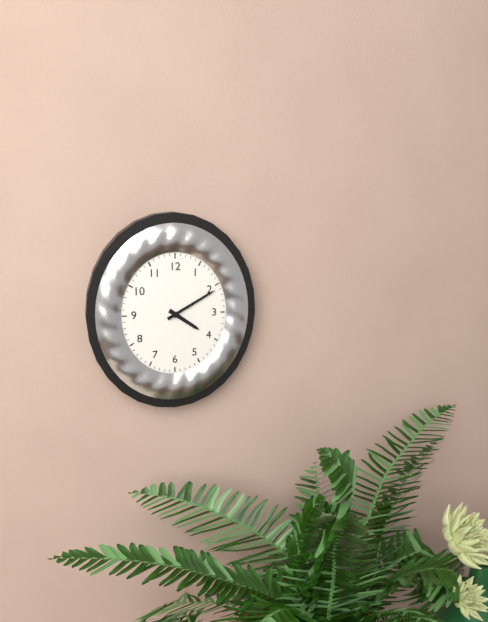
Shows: {"hour": 4, "minute": 10}
